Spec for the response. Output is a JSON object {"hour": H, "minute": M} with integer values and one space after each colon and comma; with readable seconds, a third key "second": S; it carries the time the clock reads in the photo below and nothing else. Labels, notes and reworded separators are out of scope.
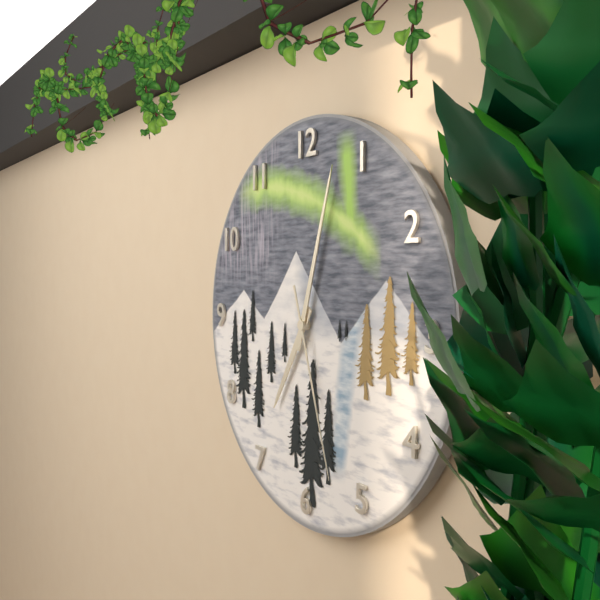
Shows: {"hour": 7, "minute": 3, "second": 27}
